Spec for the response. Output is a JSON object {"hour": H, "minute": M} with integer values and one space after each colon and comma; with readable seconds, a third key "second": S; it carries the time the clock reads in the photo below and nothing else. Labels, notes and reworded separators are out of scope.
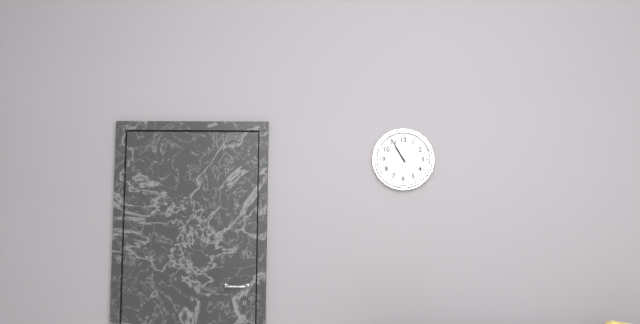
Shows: {"hour": 10, "minute": 55}
